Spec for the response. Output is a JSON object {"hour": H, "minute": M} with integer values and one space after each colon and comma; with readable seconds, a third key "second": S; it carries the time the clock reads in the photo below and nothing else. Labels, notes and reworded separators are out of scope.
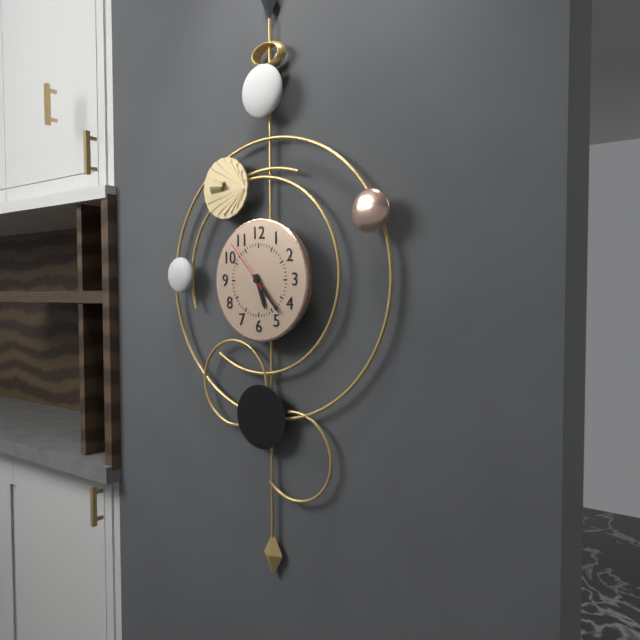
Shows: {"hour": 5, "minute": 23, "second": 53}
